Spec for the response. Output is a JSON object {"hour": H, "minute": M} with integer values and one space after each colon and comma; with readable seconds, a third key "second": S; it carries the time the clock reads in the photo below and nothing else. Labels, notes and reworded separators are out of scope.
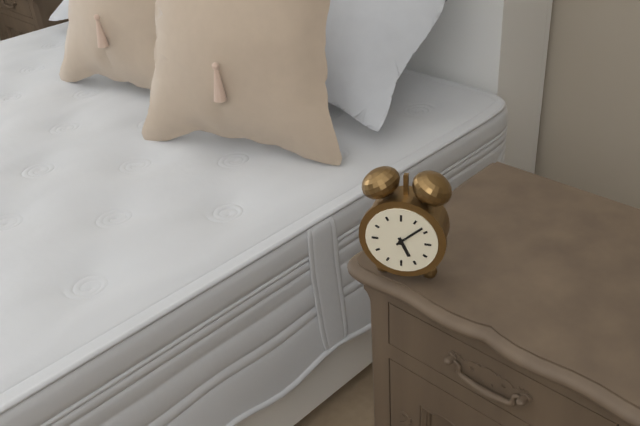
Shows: {"hour": 5, "minute": 8}
